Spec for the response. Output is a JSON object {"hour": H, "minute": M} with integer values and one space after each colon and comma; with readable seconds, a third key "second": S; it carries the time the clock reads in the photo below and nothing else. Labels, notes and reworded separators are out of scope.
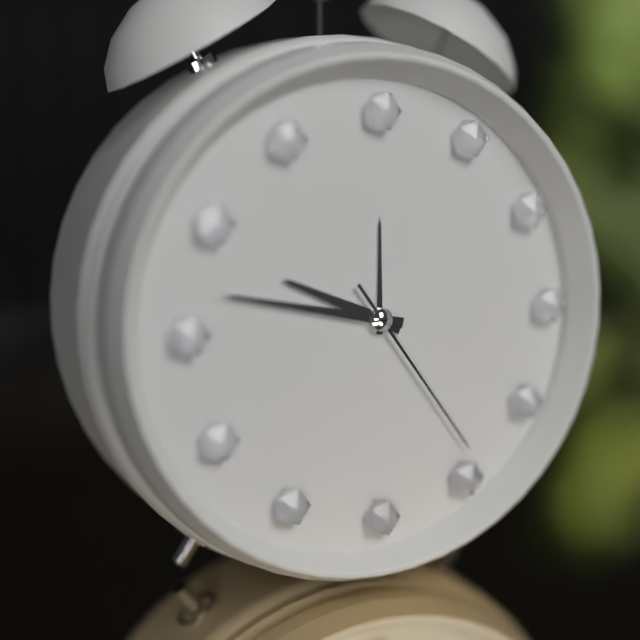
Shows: {"hour": 9, "minute": 47, "second": 24}
